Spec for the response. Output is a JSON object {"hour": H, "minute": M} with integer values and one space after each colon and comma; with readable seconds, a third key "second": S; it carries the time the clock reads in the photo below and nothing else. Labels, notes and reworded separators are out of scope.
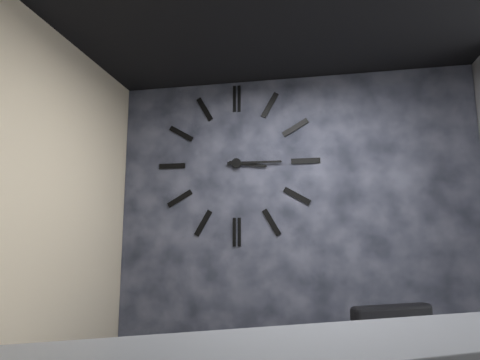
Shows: {"hour": 3, "minute": 15}
